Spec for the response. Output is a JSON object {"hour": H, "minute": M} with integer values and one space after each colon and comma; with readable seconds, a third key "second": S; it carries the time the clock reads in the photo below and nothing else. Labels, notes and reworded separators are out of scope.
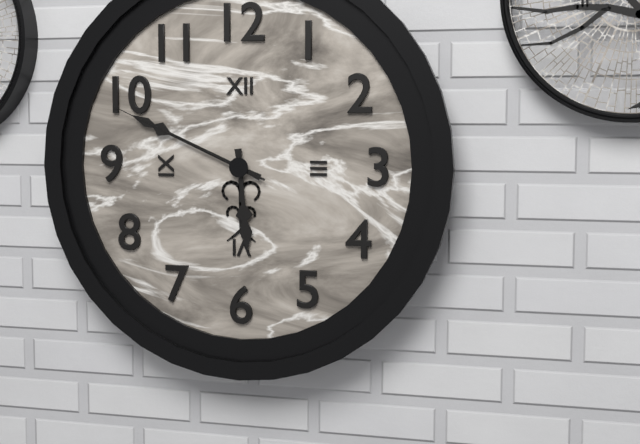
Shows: {"hour": 5, "minute": 49, "second": 49}
